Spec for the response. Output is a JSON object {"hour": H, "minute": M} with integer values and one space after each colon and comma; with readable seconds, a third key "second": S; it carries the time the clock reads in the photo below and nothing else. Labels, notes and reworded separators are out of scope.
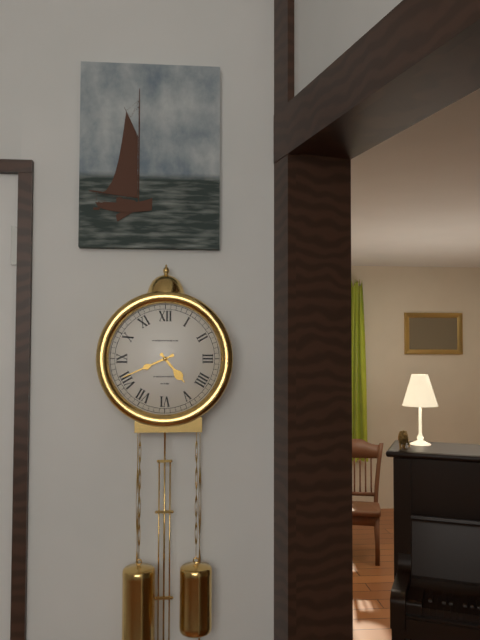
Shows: {"hour": 4, "minute": 41}
